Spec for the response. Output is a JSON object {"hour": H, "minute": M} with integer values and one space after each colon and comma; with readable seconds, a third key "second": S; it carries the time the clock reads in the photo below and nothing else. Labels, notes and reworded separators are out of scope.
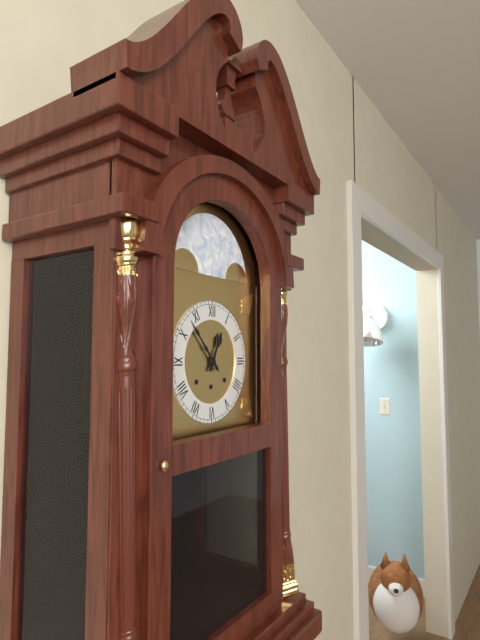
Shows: {"hour": 12, "minute": 53}
